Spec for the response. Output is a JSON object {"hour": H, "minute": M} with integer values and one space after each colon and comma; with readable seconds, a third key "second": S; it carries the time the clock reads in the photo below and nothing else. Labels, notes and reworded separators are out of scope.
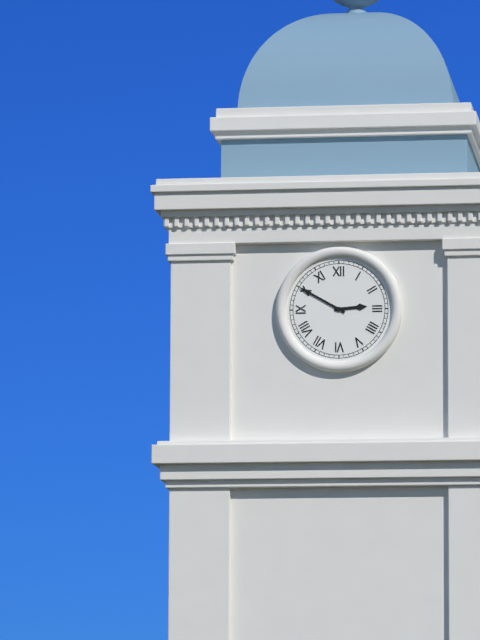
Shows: {"hour": 2, "minute": 50}
